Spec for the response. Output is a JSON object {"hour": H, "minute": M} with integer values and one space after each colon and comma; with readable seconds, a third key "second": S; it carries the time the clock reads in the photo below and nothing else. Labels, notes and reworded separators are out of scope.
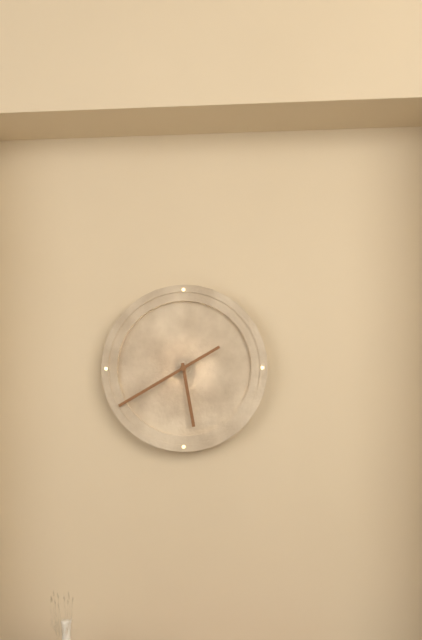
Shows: {"hour": 5, "minute": 40}
